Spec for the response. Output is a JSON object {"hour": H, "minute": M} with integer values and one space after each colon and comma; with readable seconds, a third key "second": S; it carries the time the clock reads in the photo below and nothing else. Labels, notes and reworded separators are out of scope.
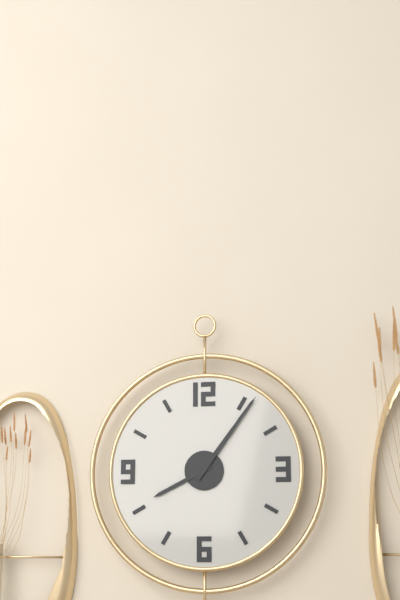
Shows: {"hour": 8, "minute": 6}
